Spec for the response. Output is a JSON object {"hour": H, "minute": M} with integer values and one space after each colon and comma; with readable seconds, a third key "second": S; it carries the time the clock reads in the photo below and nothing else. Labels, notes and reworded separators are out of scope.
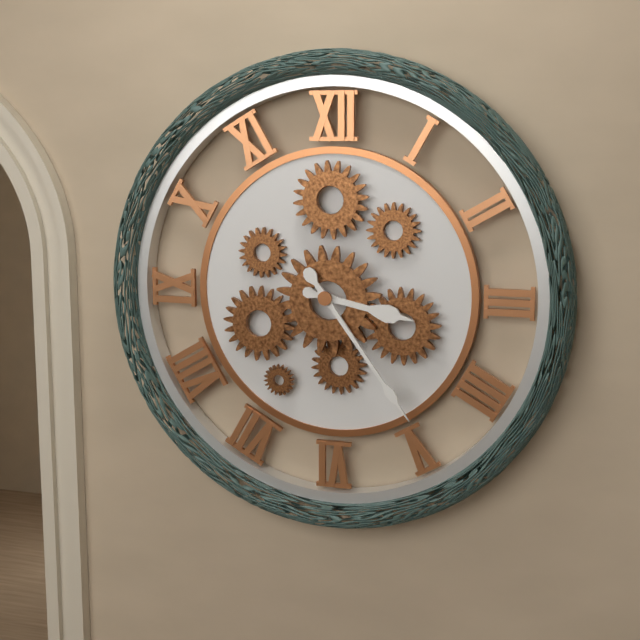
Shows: {"hour": 3, "minute": 24}
